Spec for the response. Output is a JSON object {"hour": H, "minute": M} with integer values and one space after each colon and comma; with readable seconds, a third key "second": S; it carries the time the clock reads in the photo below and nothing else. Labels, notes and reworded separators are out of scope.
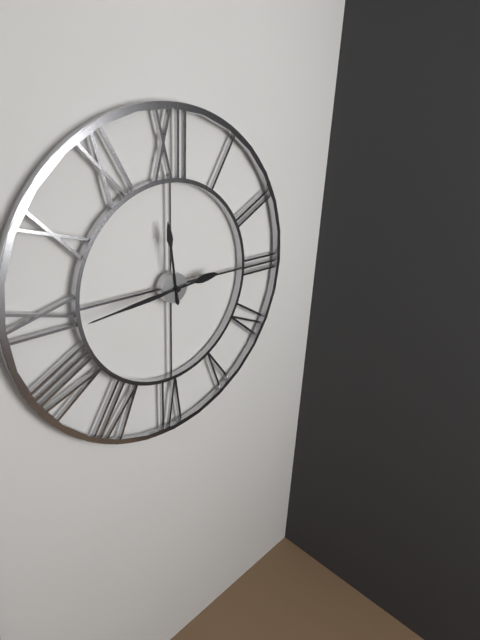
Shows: {"hour": 11, "minute": 44}
